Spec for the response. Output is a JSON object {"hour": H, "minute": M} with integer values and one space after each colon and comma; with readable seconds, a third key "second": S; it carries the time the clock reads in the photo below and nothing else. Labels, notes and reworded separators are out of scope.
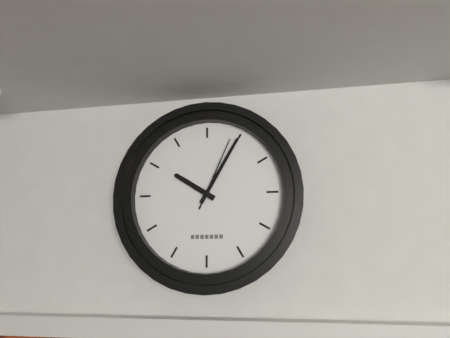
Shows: {"hour": 10, "minute": 5, "second": 4}
